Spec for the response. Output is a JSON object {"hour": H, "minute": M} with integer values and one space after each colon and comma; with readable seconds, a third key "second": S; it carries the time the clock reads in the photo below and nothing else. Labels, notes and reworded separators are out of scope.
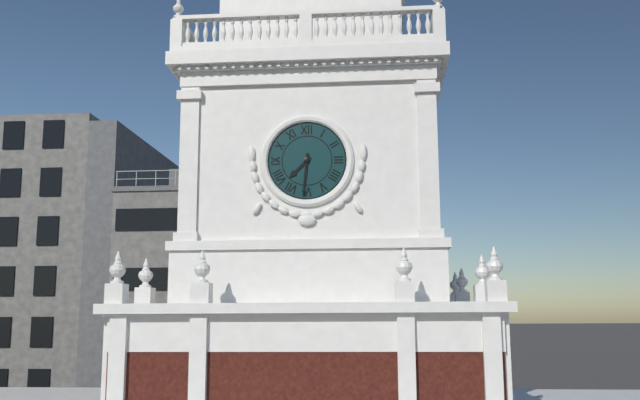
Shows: {"hour": 7, "minute": 31}
